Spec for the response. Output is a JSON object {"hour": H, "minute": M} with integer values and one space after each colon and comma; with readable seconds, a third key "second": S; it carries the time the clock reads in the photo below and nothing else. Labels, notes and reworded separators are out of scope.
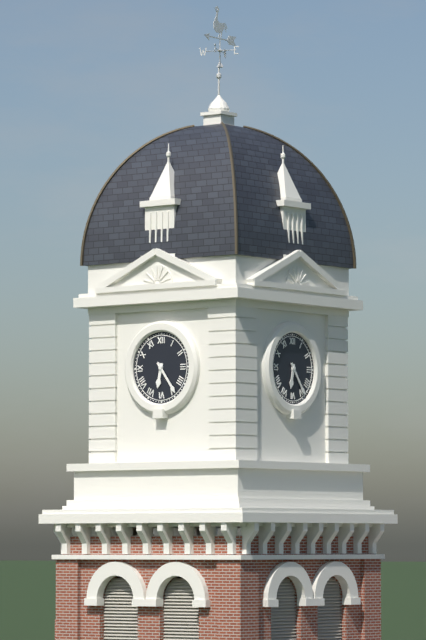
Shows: {"hour": 6, "minute": 24}
